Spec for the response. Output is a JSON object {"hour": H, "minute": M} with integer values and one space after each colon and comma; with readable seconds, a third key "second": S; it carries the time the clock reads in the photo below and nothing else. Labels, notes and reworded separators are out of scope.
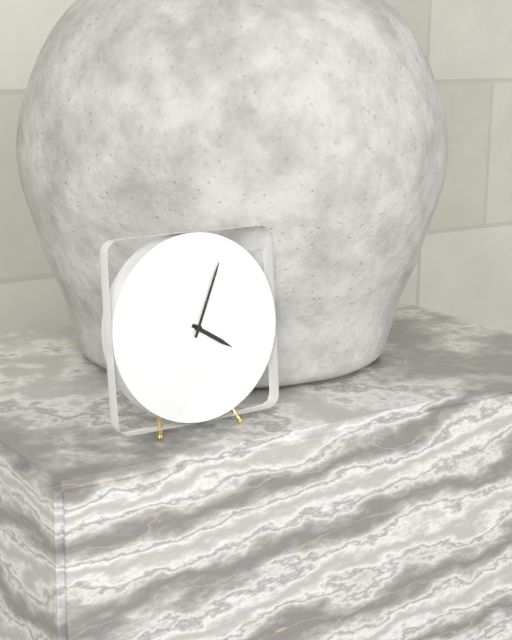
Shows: {"hour": 4, "minute": 4}
